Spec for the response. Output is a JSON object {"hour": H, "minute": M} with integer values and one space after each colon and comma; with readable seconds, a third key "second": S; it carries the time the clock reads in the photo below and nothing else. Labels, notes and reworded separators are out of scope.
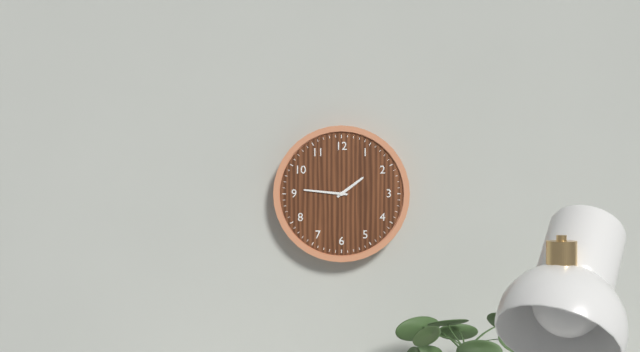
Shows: {"hour": 1, "minute": 46}
